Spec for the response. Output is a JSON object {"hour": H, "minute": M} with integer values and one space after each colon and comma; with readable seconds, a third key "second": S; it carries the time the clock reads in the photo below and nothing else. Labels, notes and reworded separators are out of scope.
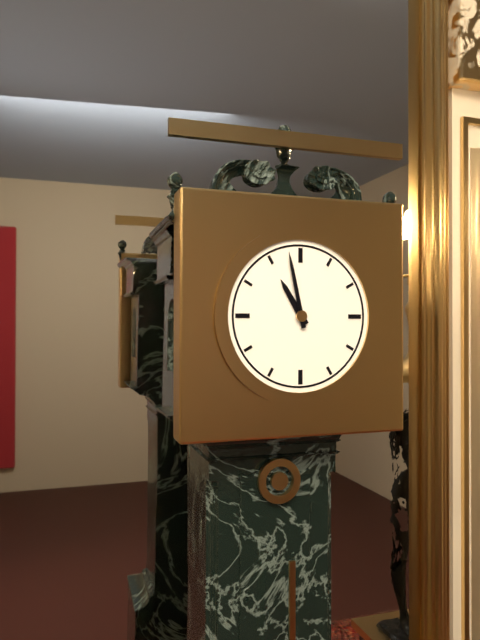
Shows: {"hour": 10, "minute": 58}
